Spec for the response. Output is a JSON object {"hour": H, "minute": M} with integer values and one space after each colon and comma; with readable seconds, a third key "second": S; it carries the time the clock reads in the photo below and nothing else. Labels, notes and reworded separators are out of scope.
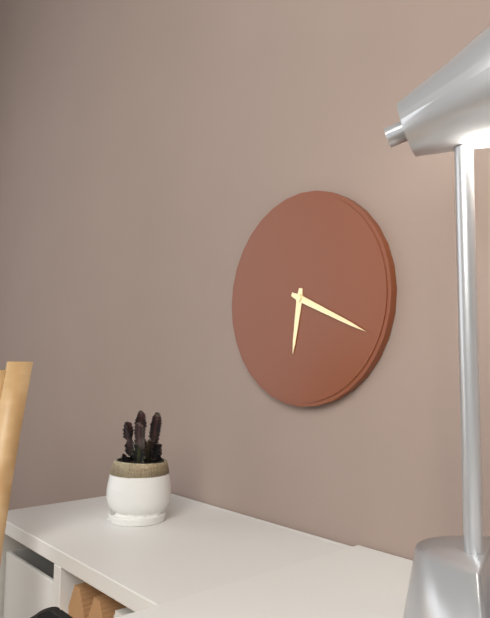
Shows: {"hour": 6, "minute": 19}
